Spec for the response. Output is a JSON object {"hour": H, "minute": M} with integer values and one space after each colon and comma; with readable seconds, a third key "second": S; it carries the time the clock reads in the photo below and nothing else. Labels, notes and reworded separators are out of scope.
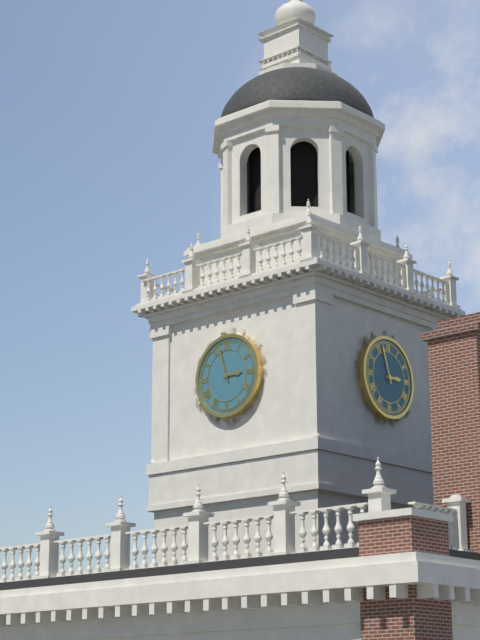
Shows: {"hour": 2, "minute": 57}
